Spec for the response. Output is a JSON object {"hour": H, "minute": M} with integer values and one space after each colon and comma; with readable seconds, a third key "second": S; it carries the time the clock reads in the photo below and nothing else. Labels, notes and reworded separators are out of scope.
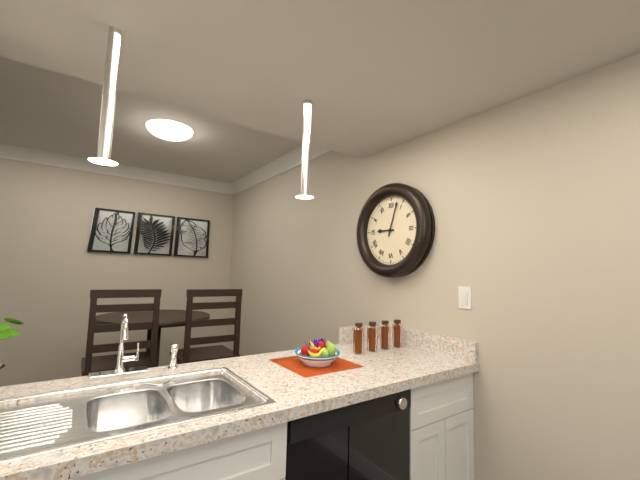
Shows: {"hour": 9, "minute": 3}
